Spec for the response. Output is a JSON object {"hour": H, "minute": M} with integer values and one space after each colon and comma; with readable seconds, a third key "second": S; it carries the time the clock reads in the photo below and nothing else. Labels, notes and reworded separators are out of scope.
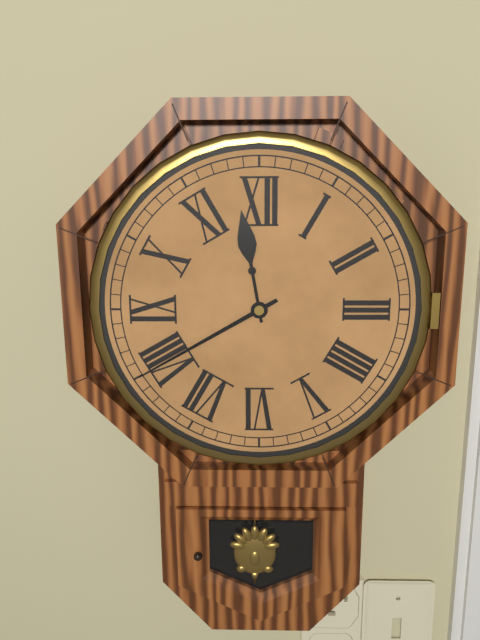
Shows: {"hour": 11, "minute": 40}
